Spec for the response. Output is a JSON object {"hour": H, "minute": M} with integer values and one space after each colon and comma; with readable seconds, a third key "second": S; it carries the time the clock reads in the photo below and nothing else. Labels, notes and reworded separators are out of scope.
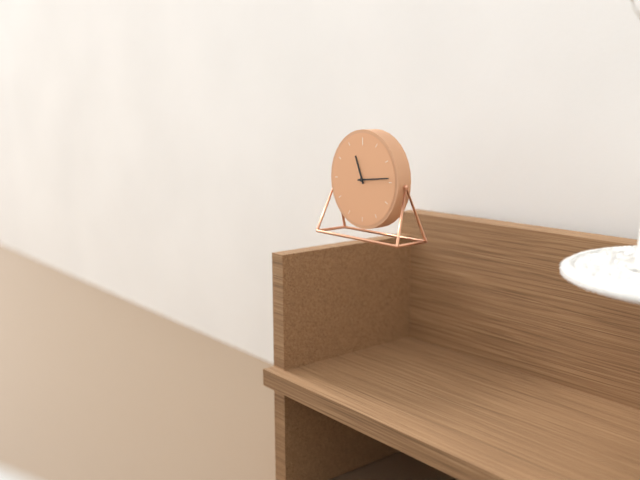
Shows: {"hour": 11, "minute": 14}
